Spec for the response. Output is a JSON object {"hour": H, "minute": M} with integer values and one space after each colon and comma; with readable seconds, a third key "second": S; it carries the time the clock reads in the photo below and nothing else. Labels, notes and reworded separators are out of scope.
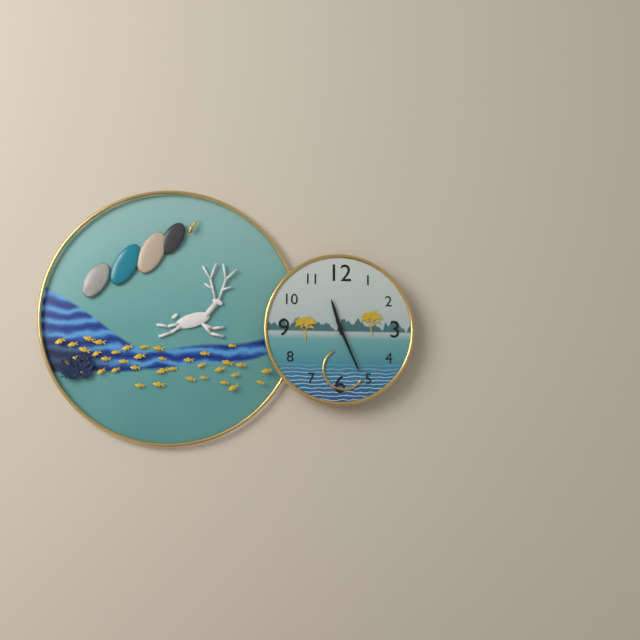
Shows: {"hour": 11, "minute": 26}
